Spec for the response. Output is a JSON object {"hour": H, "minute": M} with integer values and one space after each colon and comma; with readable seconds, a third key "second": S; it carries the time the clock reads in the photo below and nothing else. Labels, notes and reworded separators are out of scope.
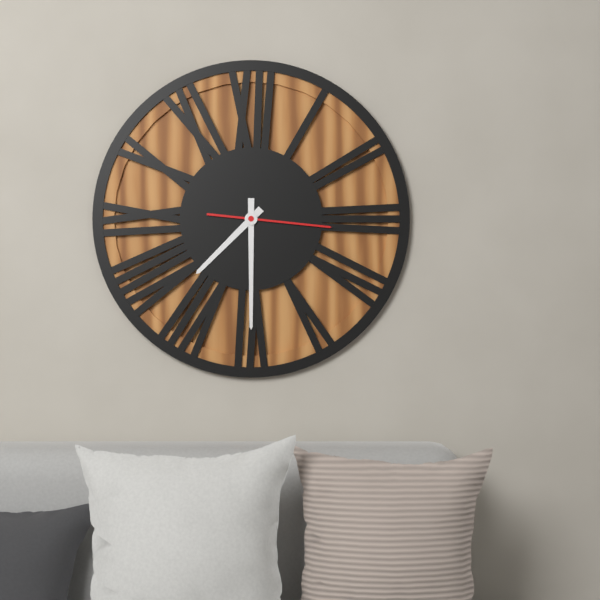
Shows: {"hour": 7, "minute": 30, "second": 16}
